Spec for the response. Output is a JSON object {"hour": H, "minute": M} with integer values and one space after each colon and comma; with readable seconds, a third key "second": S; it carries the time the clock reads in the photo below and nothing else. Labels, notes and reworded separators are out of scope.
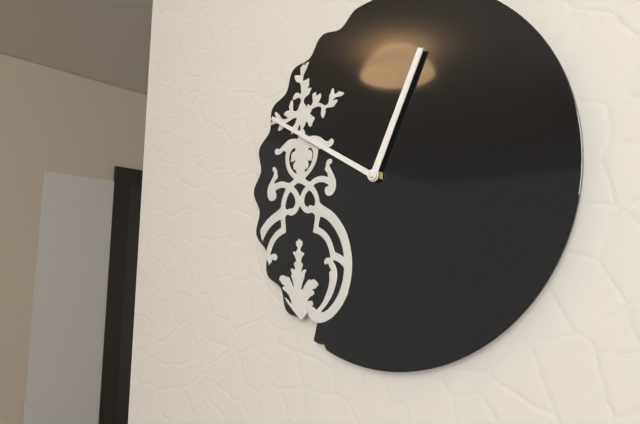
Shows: {"hour": 12, "minute": 50}
